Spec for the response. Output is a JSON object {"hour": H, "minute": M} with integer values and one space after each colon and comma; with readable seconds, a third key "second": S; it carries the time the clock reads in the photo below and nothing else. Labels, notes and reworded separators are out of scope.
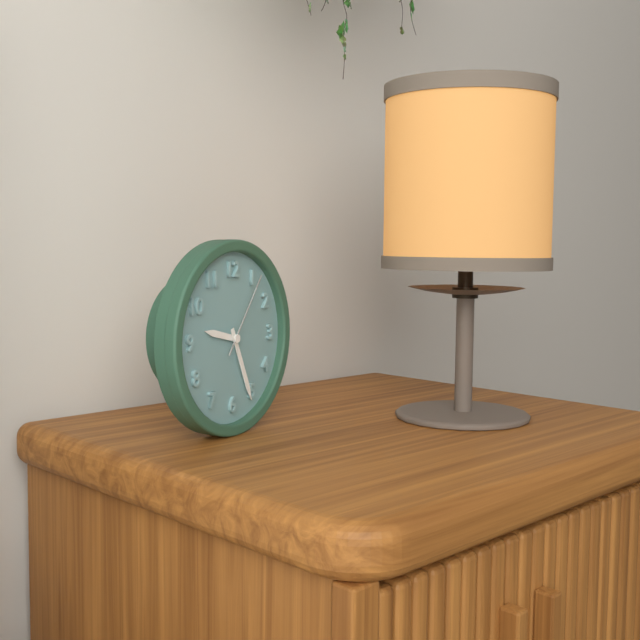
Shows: {"hour": 9, "minute": 26, "second": 6}
